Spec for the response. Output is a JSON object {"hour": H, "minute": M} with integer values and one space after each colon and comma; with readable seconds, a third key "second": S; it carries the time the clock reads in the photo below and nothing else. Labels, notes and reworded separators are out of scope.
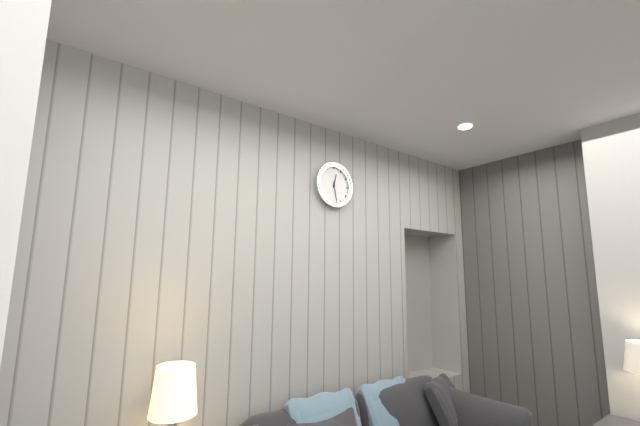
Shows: {"hour": 12, "minute": 28}
